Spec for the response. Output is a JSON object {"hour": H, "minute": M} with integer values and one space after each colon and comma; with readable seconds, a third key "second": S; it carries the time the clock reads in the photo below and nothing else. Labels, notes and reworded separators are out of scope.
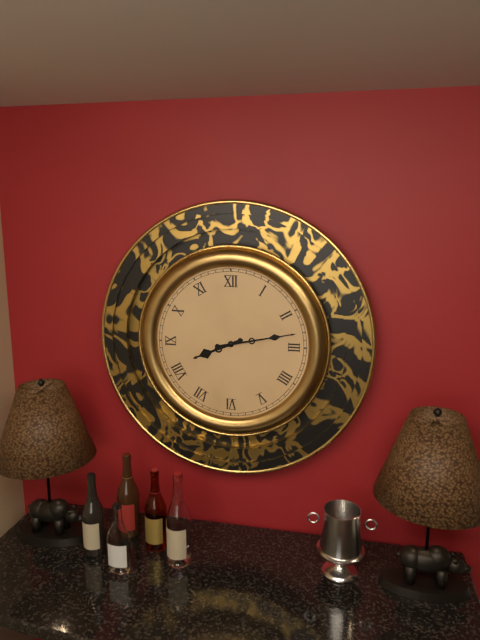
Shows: {"hour": 8, "minute": 13}
